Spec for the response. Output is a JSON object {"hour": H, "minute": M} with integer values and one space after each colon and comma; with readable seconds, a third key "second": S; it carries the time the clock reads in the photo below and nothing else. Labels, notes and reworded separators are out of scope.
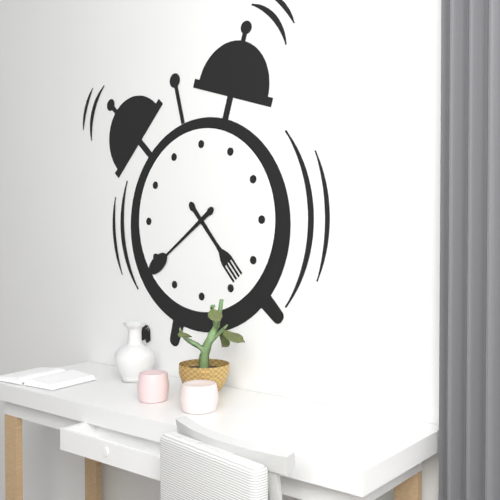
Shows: {"hour": 4, "minute": 39}
